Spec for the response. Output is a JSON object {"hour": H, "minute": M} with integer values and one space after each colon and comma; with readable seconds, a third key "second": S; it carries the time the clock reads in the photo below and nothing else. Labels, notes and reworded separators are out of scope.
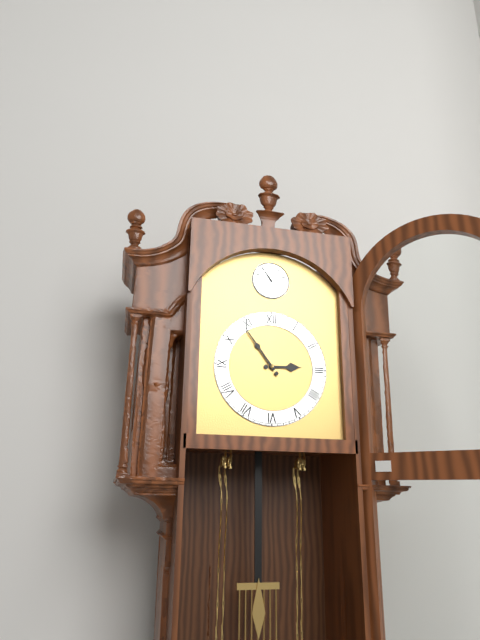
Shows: {"hour": 2, "minute": 54}
